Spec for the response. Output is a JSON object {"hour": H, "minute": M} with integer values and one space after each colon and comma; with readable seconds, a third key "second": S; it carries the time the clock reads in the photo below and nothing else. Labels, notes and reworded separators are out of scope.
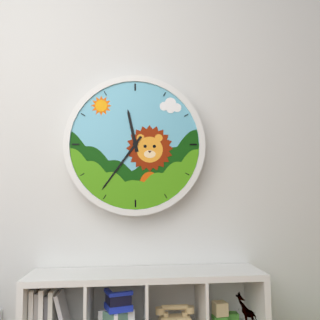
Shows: {"hour": 11, "minute": 36}
